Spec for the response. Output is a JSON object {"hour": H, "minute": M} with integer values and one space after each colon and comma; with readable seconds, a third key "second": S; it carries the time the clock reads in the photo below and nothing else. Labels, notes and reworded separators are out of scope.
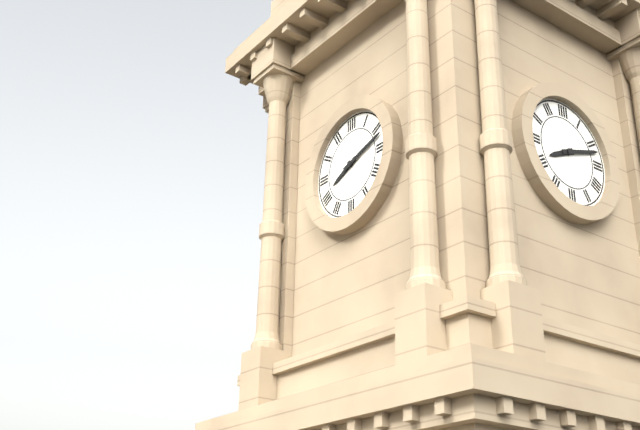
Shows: {"hour": 8, "minute": 12}
